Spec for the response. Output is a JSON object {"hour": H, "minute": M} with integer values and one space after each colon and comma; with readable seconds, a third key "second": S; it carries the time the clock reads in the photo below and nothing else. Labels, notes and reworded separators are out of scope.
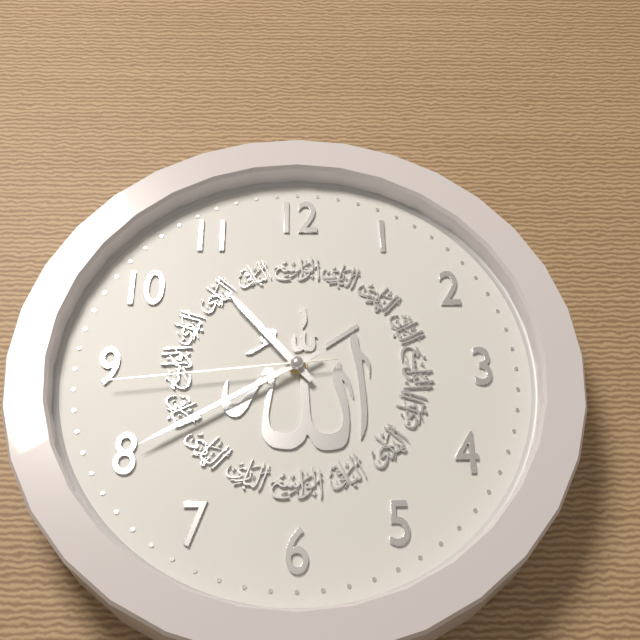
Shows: {"hour": 10, "minute": 40, "second": 44}
